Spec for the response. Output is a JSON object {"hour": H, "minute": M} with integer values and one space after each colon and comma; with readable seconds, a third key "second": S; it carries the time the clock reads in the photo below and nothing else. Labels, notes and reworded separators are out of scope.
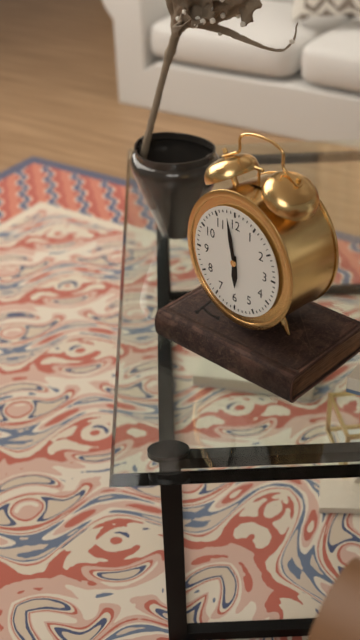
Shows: {"hour": 5, "minute": 58}
